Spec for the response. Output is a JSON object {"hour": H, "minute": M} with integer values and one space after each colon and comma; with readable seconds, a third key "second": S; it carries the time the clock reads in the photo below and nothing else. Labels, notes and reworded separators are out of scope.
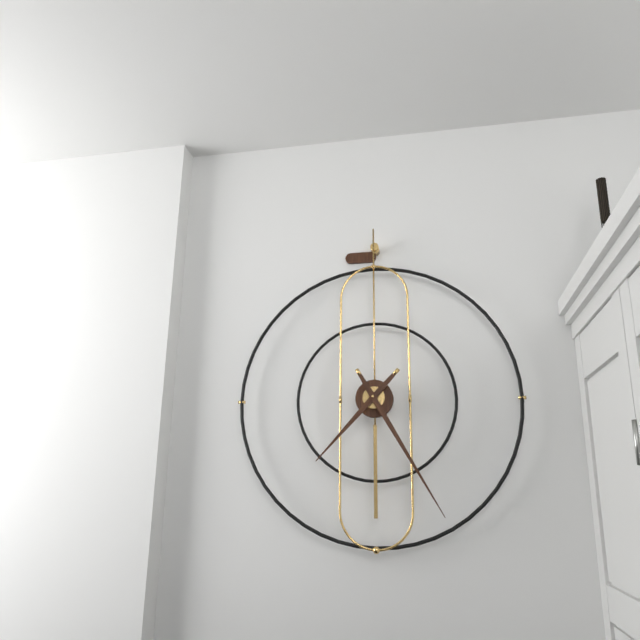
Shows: {"hour": 7, "minute": 25}
